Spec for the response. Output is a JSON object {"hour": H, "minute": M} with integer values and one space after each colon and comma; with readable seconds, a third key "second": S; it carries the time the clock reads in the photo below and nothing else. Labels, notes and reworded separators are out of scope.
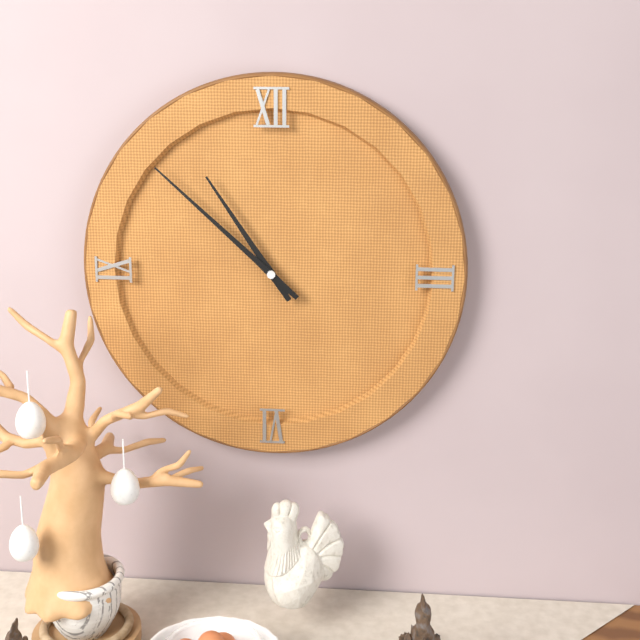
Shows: {"hour": 10, "minute": 52}
